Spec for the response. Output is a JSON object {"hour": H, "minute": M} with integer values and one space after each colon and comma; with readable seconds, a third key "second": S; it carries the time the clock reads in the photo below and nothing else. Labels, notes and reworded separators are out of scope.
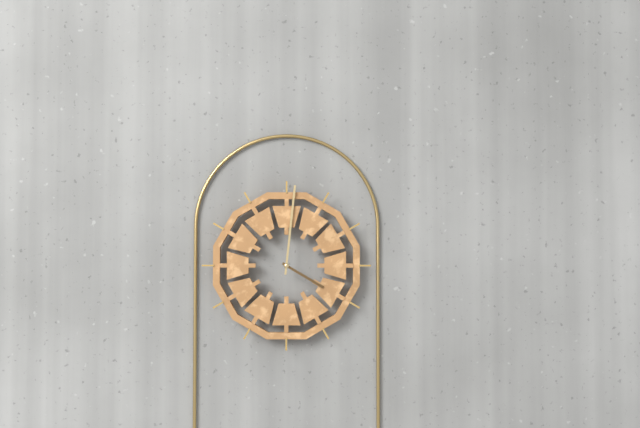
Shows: {"hour": 4, "minute": 1}
